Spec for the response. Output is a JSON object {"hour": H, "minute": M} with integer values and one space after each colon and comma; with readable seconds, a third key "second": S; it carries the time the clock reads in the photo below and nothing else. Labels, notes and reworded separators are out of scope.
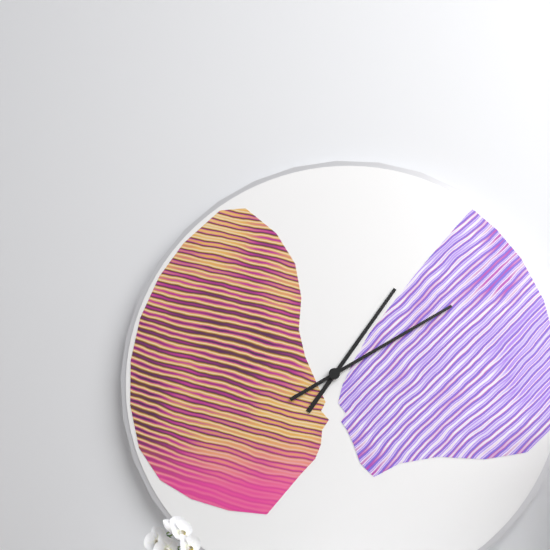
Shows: {"hour": 1, "minute": 10}
